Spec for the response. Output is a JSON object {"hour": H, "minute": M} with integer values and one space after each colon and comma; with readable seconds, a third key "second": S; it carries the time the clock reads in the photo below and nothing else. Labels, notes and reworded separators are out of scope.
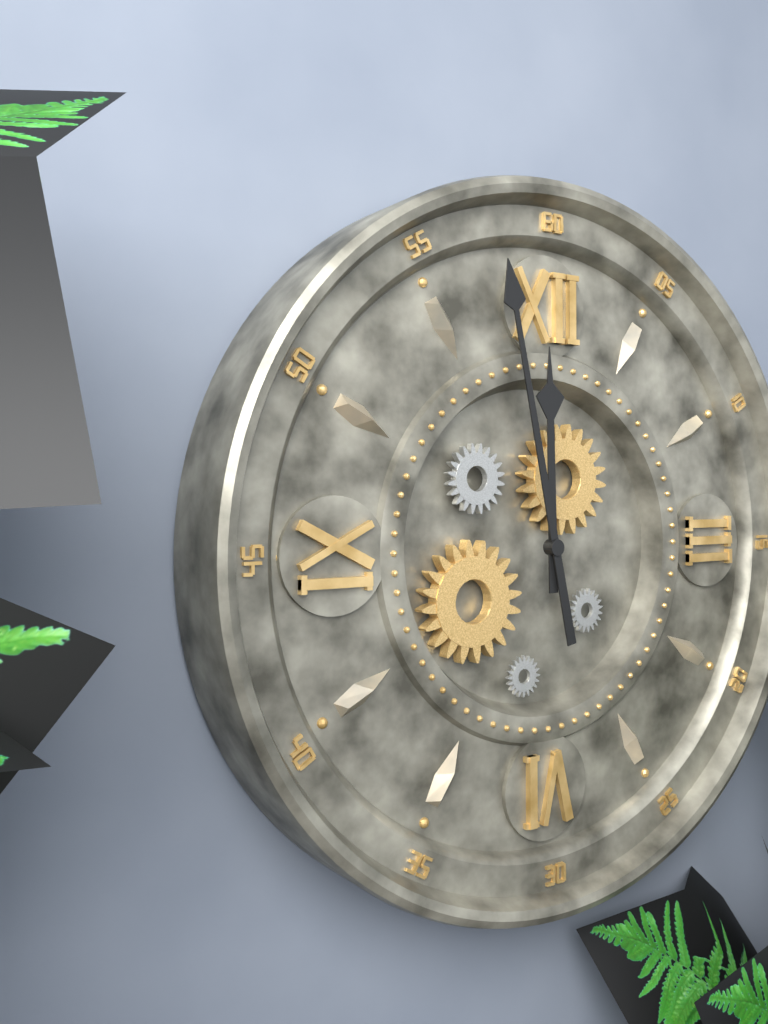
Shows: {"hour": 11, "minute": 58}
